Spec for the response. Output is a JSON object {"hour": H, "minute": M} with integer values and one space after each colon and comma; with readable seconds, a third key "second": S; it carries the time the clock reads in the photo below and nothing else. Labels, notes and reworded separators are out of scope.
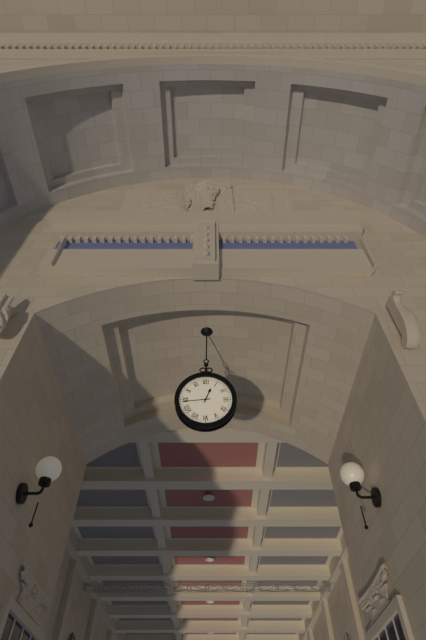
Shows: {"hour": 12, "minute": 44}
